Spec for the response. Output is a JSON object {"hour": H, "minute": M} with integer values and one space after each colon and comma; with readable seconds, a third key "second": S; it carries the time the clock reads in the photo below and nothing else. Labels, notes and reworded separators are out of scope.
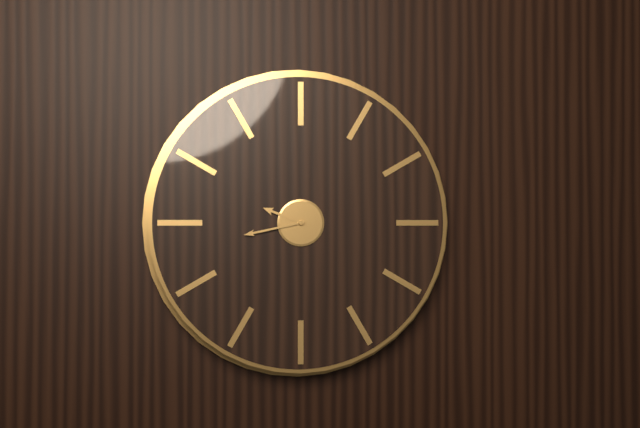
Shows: {"hour": 9, "minute": 43}
